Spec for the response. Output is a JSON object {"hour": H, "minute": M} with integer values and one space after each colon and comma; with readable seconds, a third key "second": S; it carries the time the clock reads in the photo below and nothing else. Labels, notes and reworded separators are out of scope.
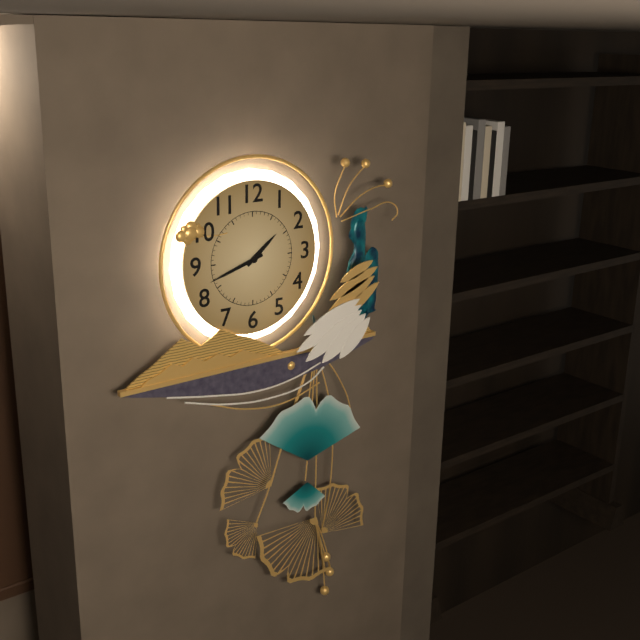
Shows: {"hour": 1, "minute": 42}
